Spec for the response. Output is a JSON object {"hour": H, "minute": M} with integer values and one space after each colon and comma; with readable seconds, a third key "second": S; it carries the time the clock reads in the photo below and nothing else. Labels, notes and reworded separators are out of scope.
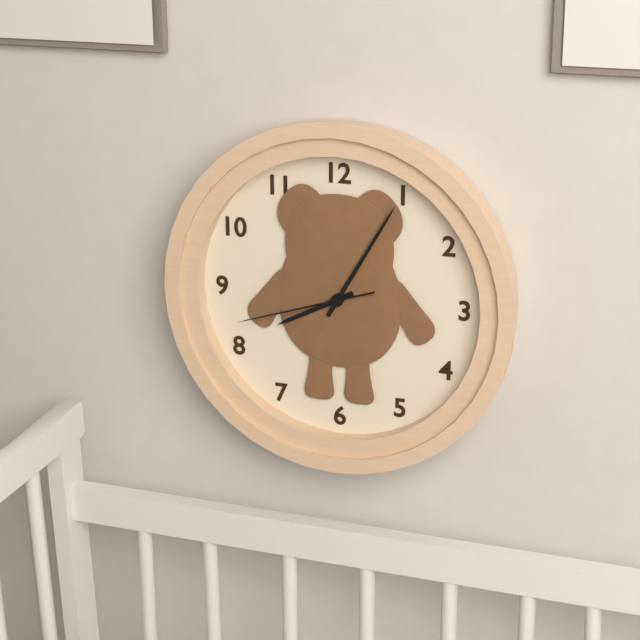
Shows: {"hour": 8, "minute": 5, "second": 42}
